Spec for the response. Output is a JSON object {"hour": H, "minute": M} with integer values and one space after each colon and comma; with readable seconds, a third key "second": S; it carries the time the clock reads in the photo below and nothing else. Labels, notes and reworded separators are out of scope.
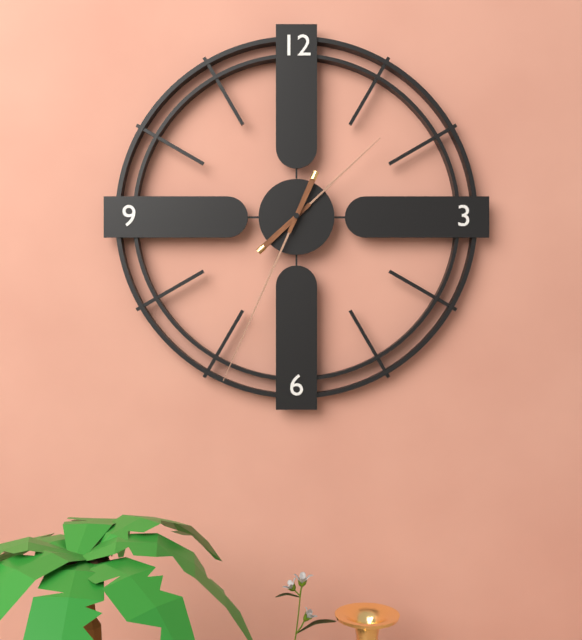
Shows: {"hour": 1, "minute": 34}
